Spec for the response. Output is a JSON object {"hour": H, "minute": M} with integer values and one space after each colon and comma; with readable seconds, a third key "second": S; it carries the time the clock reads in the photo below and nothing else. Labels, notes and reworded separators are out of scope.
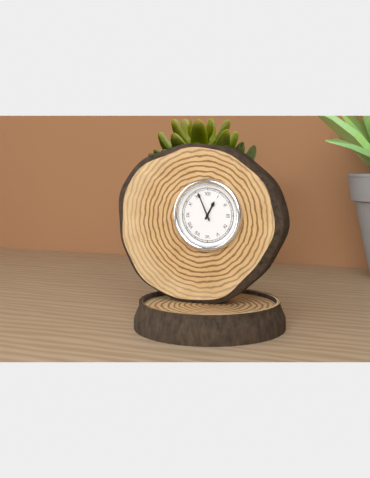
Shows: {"hour": 12, "minute": 56}
